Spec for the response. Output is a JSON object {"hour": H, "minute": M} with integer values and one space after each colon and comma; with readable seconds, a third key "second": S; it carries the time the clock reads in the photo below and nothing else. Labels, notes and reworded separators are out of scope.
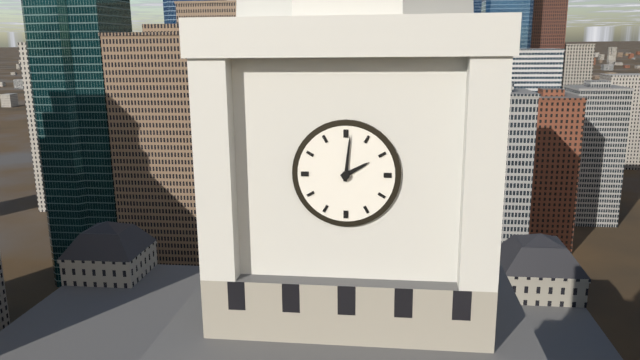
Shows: {"hour": 2, "minute": 1}
